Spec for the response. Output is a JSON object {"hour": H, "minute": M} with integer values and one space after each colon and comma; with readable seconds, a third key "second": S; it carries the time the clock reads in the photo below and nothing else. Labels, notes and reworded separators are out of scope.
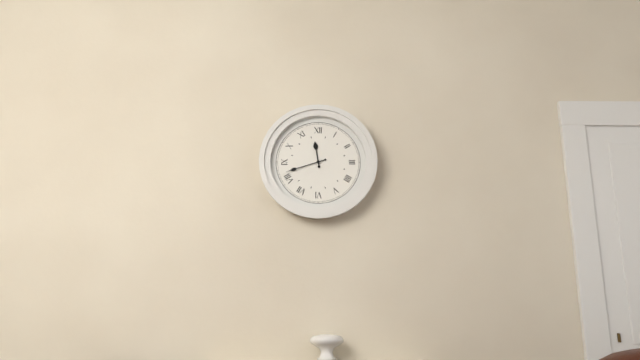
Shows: {"hour": 11, "minute": 42}
